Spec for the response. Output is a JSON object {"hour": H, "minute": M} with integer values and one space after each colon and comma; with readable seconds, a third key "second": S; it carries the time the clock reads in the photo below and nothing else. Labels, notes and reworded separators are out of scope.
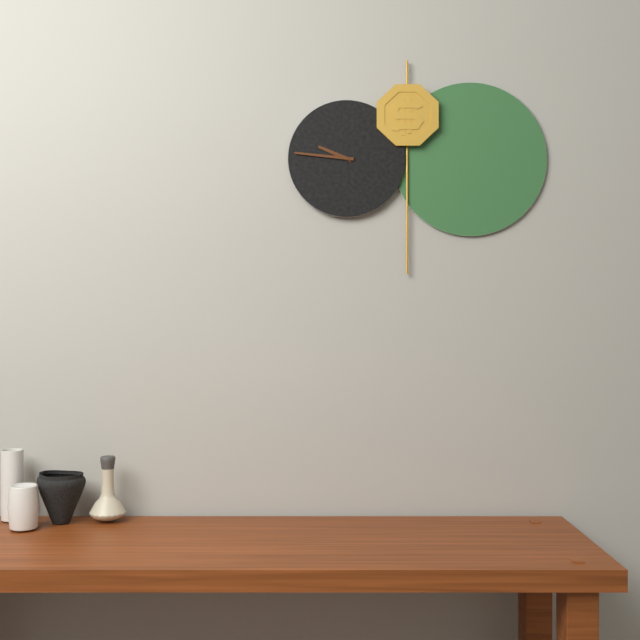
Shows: {"hour": 9, "minute": 46}
